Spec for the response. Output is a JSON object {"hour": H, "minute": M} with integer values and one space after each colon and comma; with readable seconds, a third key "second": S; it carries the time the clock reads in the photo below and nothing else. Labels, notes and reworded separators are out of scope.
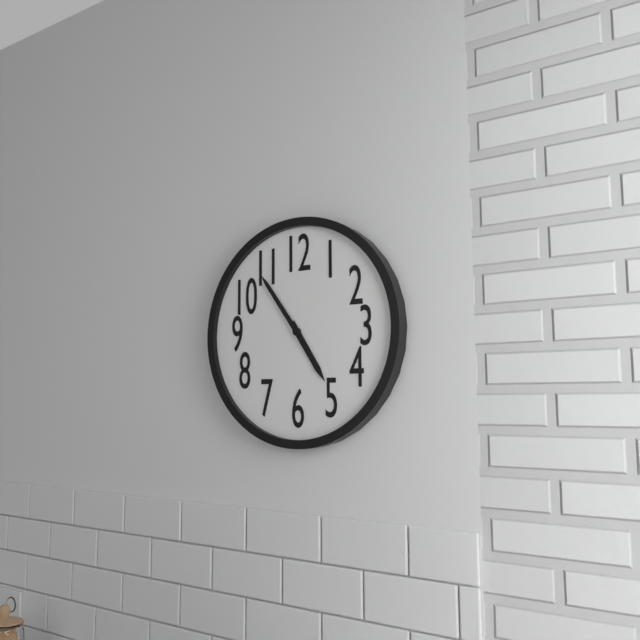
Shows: {"hour": 4, "minute": 54}
